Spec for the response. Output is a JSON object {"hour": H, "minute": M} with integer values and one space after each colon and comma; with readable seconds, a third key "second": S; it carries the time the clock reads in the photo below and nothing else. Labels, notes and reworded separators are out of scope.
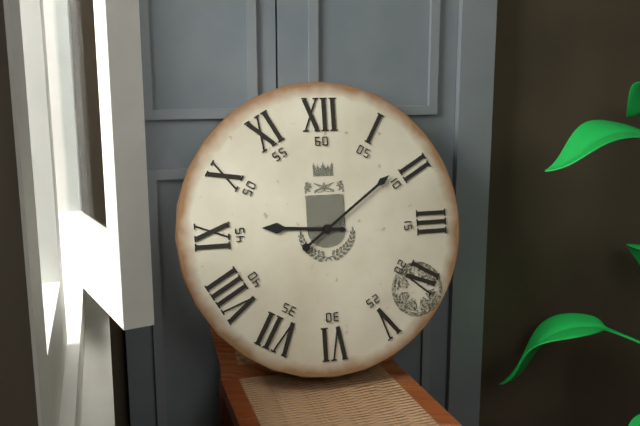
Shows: {"hour": 9, "minute": 9}
